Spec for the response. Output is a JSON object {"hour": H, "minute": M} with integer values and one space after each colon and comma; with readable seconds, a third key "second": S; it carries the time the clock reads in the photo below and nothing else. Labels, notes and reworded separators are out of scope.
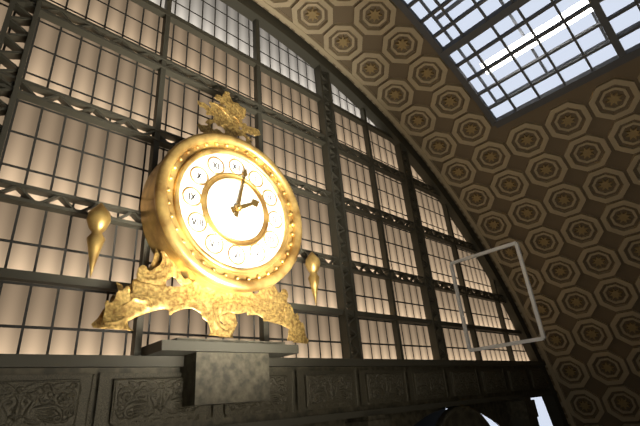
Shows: {"hour": 2, "minute": 2}
